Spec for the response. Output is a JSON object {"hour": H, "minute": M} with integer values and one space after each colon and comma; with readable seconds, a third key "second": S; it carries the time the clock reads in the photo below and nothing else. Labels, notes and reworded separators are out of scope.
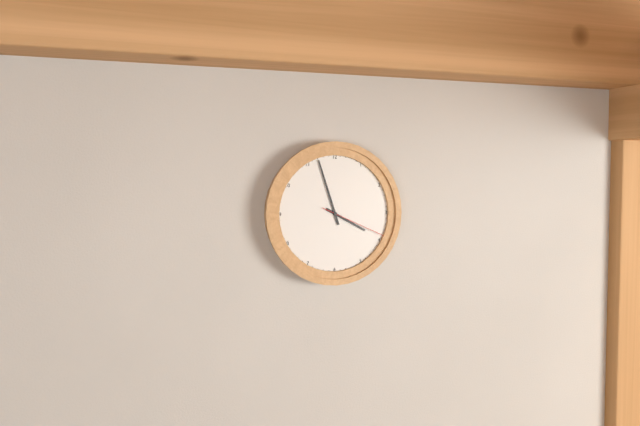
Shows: {"hour": 3, "minute": 57, "second": 19}
